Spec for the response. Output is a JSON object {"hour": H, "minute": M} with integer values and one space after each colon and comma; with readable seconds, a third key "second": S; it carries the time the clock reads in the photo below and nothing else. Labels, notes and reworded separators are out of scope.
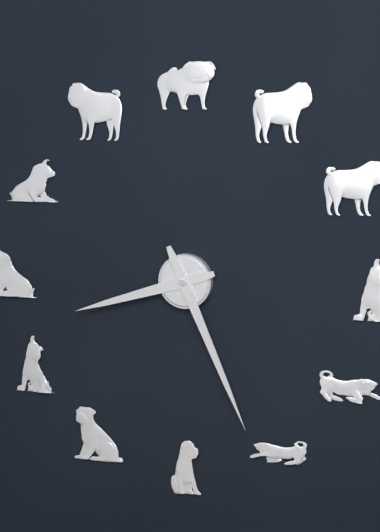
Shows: {"hour": 8, "minute": 26}
